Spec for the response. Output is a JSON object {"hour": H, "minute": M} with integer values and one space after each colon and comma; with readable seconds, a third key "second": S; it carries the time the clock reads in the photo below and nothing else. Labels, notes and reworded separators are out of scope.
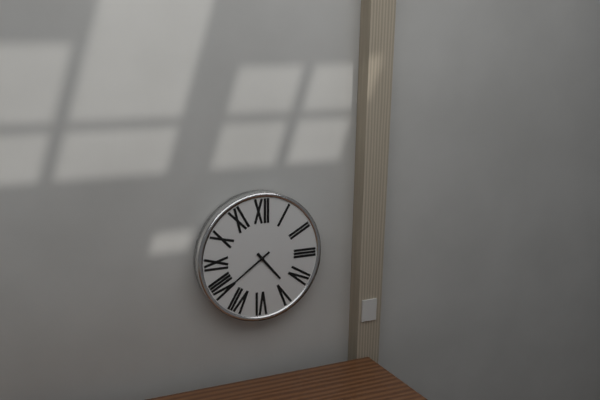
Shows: {"hour": 4, "minute": 39}
